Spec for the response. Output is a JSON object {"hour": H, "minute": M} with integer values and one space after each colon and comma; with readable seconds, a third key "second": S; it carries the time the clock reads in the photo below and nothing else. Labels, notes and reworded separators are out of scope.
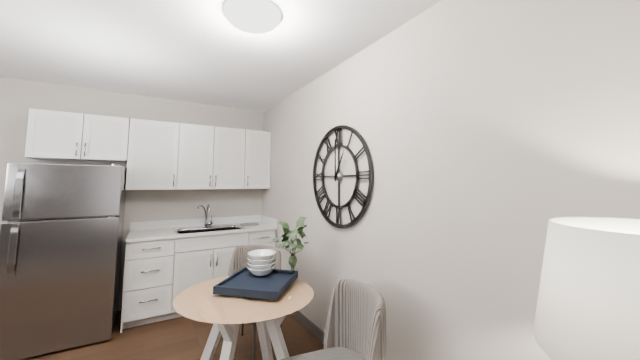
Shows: {"hour": 1, "minute": 0}
